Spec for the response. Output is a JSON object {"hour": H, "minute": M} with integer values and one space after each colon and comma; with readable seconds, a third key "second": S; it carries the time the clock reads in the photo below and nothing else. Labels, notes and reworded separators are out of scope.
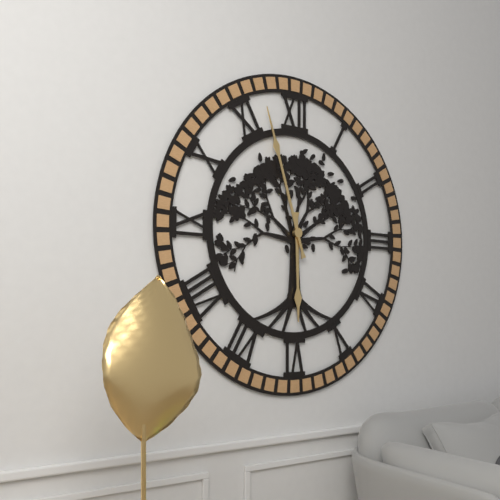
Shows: {"hour": 5, "minute": 57}
